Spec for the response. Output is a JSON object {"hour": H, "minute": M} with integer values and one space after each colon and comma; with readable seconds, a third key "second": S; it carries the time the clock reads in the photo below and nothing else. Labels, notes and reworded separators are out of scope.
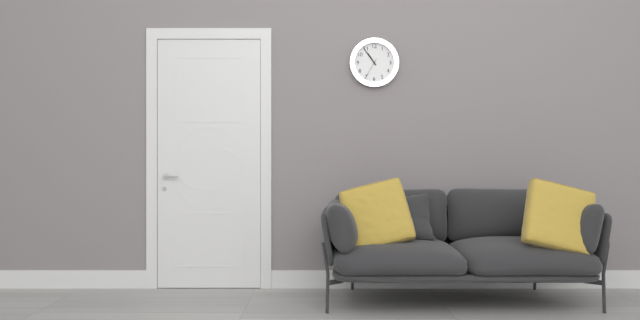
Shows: {"hour": 10, "minute": 54}
